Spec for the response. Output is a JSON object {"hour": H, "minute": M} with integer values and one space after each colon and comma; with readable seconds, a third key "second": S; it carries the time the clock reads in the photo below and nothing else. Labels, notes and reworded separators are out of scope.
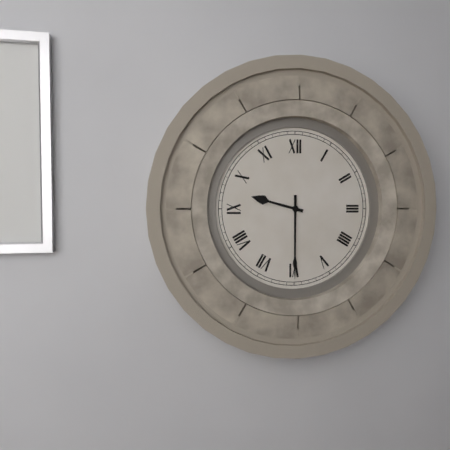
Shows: {"hour": 9, "minute": 30}
